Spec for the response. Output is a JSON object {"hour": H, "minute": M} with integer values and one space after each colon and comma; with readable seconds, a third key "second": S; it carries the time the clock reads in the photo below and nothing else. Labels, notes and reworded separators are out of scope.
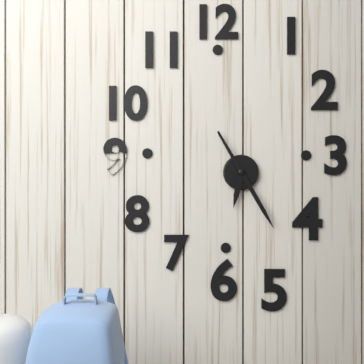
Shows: {"hour": 6, "minute": 25}
